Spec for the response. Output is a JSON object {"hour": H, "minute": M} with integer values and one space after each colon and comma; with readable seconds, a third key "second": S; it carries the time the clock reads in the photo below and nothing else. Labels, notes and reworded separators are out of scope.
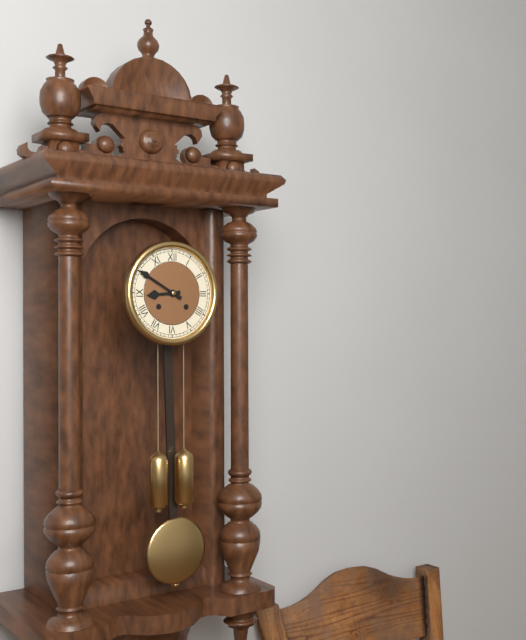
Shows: {"hour": 8, "minute": 50}
